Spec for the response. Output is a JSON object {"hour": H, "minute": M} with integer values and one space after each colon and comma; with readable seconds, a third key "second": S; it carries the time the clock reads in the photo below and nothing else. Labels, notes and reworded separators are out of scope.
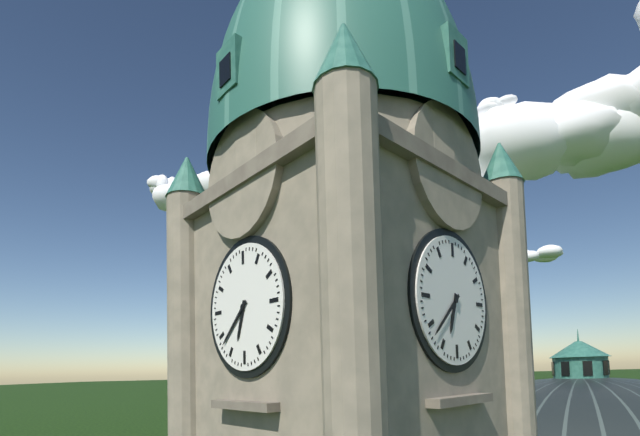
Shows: {"hour": 6, "minute": 38}
